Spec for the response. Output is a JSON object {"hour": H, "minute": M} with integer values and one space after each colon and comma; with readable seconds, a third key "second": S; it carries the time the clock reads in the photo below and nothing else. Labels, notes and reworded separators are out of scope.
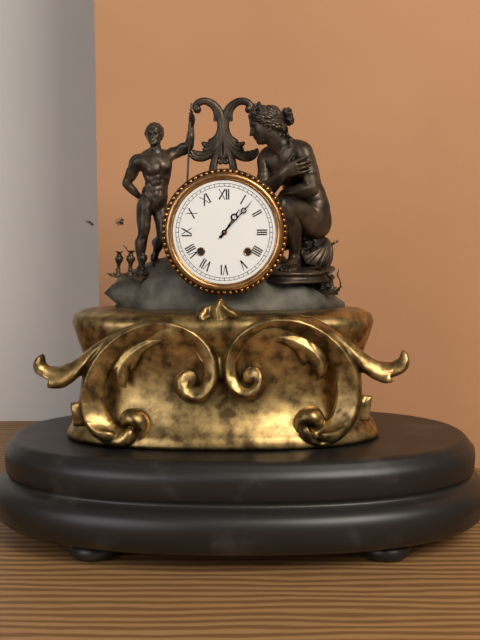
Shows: {"hour": 1, "minute": 7}
